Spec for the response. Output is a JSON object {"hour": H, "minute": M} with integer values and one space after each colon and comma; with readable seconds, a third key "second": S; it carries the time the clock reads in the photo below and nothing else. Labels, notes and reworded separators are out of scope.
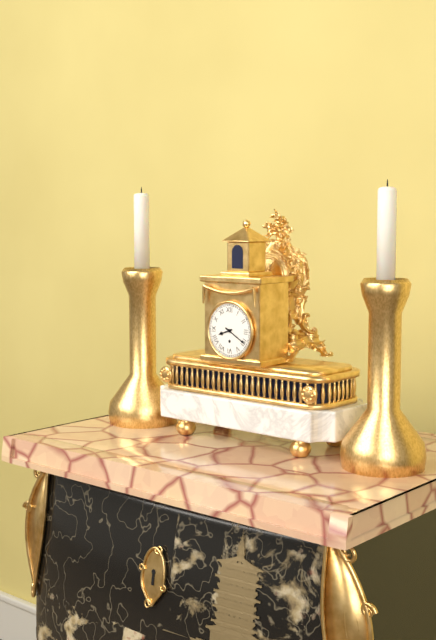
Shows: {"hour": 8, "minute": 20}
